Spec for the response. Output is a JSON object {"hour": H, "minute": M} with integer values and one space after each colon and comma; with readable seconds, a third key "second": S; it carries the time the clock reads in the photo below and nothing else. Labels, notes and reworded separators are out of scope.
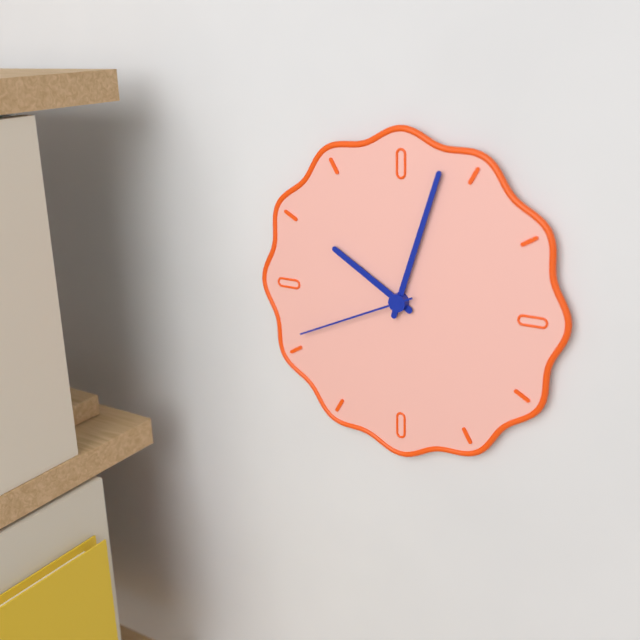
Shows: {"hour": 10, "minute": 3, "second": 41}
